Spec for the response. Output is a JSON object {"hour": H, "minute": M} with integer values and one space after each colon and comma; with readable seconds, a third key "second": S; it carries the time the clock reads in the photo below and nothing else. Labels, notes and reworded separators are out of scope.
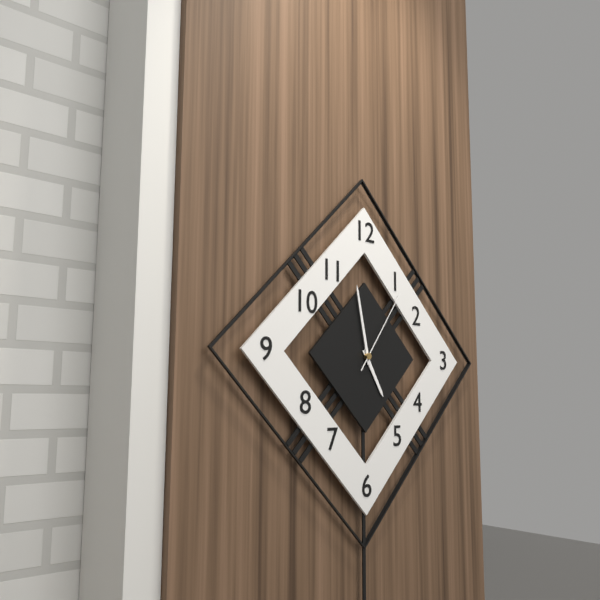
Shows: {"hour": 4, "minute": 58, "second": 6}
